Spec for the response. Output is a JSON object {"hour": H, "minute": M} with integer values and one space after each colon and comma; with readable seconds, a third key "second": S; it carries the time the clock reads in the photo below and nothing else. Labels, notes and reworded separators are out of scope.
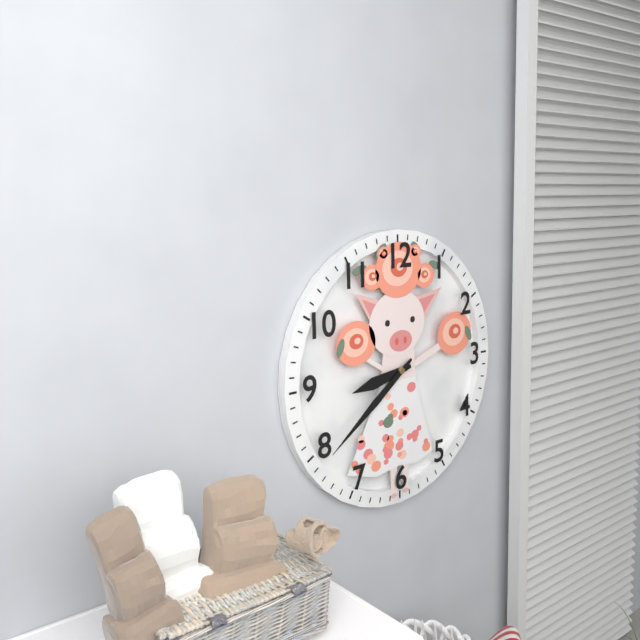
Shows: {"hour": 8, "minute": 39}
